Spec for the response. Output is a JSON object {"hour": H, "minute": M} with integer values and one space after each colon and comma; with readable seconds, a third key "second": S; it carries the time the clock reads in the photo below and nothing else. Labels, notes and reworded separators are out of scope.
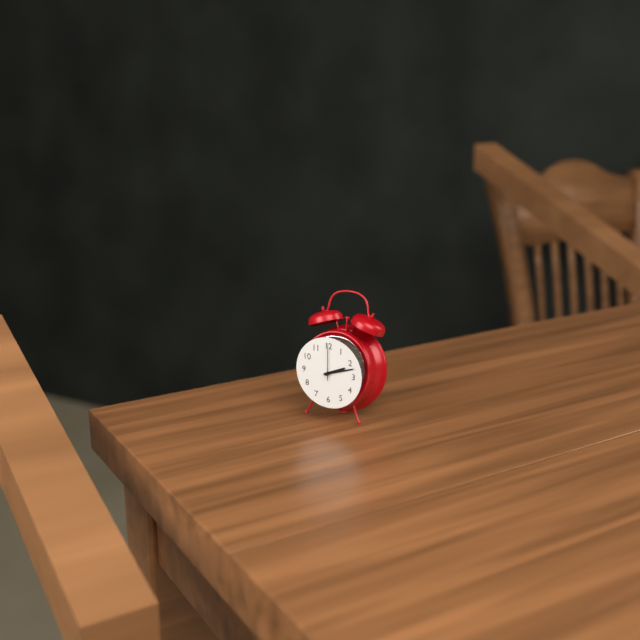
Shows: {"hour": 2, "minute": 12}
